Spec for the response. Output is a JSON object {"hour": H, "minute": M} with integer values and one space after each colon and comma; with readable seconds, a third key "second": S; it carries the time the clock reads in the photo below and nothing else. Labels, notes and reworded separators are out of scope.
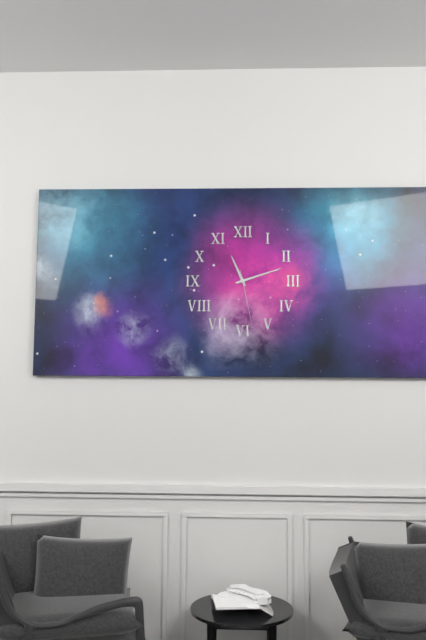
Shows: {"hour": 11, "minute": 12, "second": 28}
